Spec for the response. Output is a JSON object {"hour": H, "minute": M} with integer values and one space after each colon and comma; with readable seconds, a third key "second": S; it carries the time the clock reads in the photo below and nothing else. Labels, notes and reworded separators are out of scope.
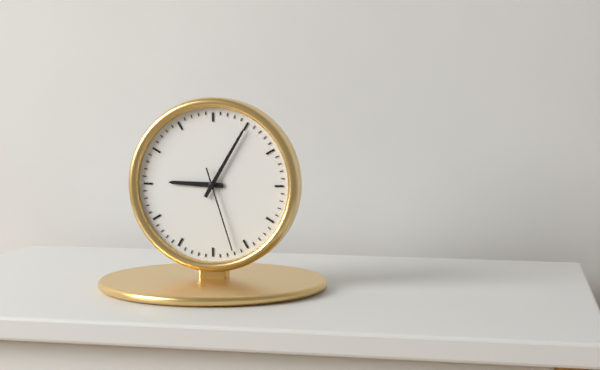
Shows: {"hour": 9, "minute": 5, "second": 27}
